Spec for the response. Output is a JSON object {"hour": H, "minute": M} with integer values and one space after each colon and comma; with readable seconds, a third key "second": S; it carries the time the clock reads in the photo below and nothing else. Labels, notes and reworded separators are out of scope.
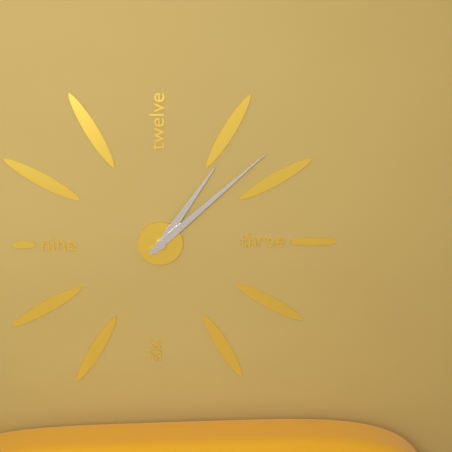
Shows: {"hour": 1, "minute": 8}
